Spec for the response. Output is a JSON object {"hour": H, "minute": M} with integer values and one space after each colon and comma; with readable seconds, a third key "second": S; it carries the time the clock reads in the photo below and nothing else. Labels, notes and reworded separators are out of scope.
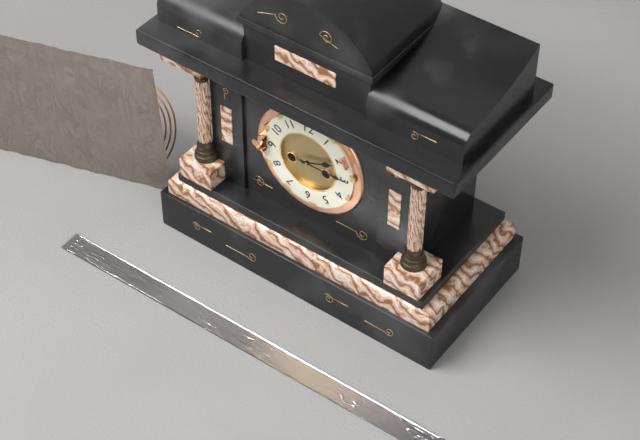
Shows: {"hour": 2, "minute": 15}
